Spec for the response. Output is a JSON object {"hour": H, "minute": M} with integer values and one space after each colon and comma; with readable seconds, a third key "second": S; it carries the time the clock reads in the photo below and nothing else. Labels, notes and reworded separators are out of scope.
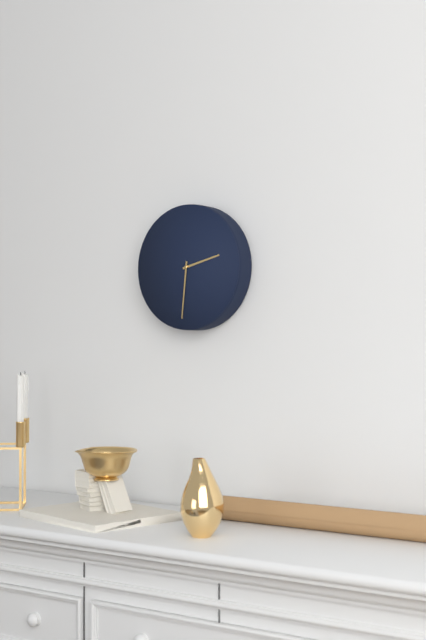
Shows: {"hour": 2, "minute": 31}
